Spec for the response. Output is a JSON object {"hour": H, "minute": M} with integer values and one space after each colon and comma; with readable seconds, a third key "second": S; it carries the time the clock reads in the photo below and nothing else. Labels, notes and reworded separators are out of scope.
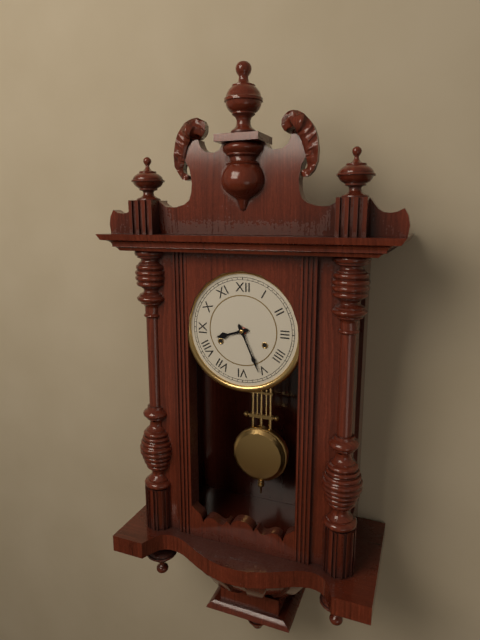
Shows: {"hour": 8, "minute": 26}
